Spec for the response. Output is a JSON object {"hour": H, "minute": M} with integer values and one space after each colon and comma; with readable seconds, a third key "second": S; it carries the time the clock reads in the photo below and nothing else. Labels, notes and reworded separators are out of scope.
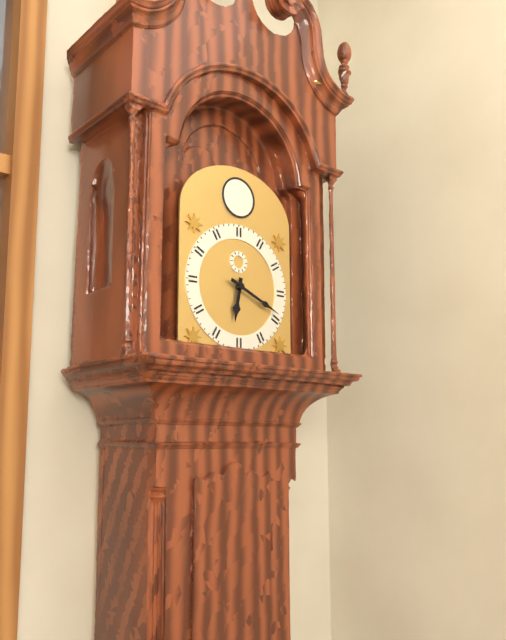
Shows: {"hour": 6, "minute": 19}
